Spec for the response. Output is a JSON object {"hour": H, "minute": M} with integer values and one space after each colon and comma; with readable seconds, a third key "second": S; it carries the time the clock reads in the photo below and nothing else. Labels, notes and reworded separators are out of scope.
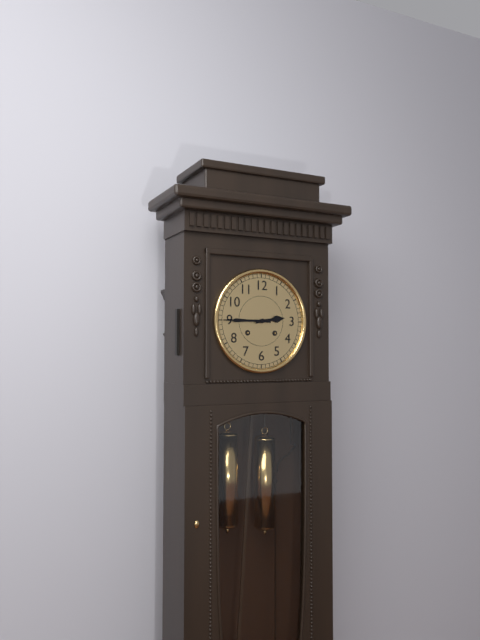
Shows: {"hour": 2, "minute": 45}
